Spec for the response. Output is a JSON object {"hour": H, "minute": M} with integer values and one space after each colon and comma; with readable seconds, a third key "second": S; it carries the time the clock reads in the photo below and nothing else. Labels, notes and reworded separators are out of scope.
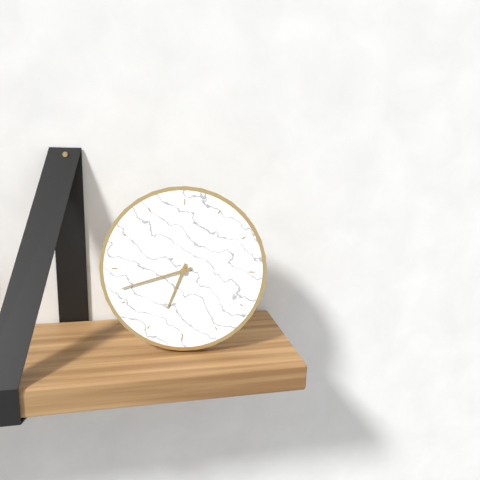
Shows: {"hour": 6, "minute": 42}
